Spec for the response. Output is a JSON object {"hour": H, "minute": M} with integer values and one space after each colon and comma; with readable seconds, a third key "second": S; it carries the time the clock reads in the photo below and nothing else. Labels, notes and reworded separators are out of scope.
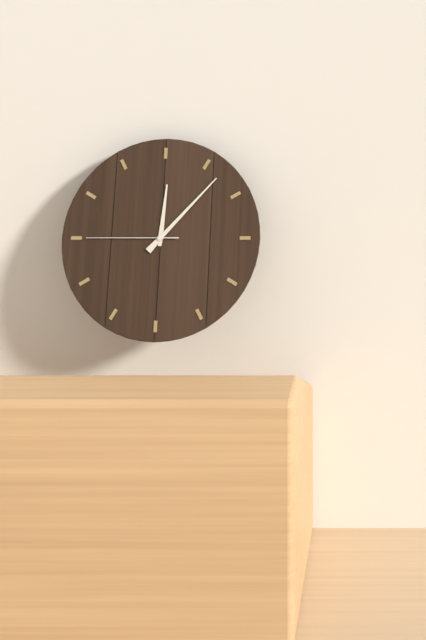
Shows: {"hour": 12, "minute": 7, "second": 45}
